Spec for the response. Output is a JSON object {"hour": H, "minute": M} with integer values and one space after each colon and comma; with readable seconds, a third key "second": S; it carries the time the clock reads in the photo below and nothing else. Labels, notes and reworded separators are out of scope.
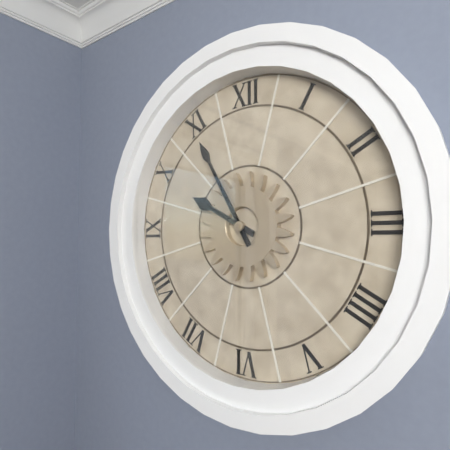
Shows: {"hour": 9, "minute": 55}
